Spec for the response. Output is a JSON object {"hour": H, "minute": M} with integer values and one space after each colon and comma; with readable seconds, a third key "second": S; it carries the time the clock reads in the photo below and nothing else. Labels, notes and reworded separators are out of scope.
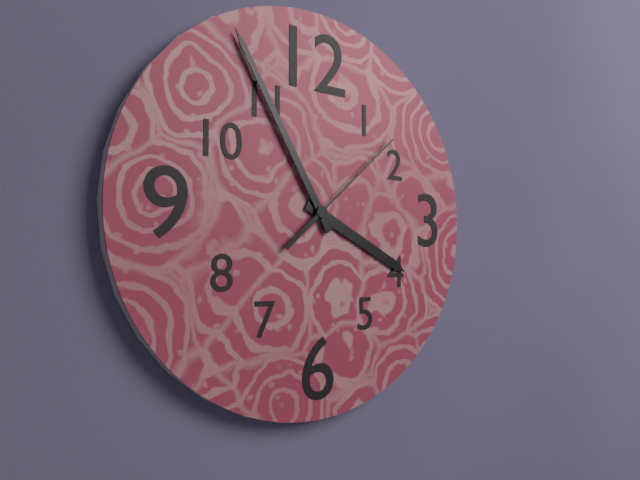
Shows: {"hour": 3, "minute": 55, "second": 8}
